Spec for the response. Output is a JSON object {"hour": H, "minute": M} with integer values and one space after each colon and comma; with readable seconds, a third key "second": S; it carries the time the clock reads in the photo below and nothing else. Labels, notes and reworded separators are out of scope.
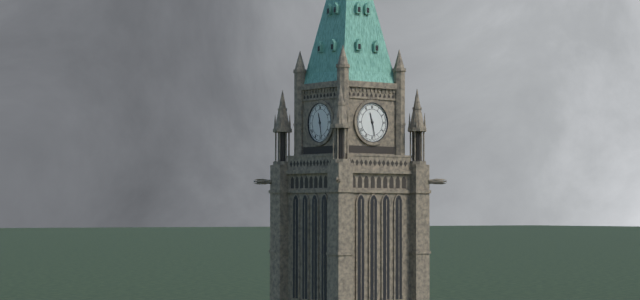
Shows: {"hour": 11, "minute": 28}
